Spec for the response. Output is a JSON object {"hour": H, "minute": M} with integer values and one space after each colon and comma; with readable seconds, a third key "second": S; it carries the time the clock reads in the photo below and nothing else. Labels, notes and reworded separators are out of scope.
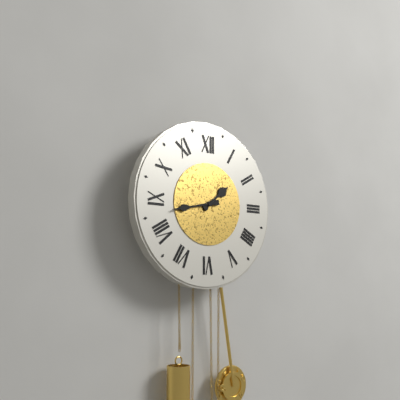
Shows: {"hour": 1, "minute": 43}
